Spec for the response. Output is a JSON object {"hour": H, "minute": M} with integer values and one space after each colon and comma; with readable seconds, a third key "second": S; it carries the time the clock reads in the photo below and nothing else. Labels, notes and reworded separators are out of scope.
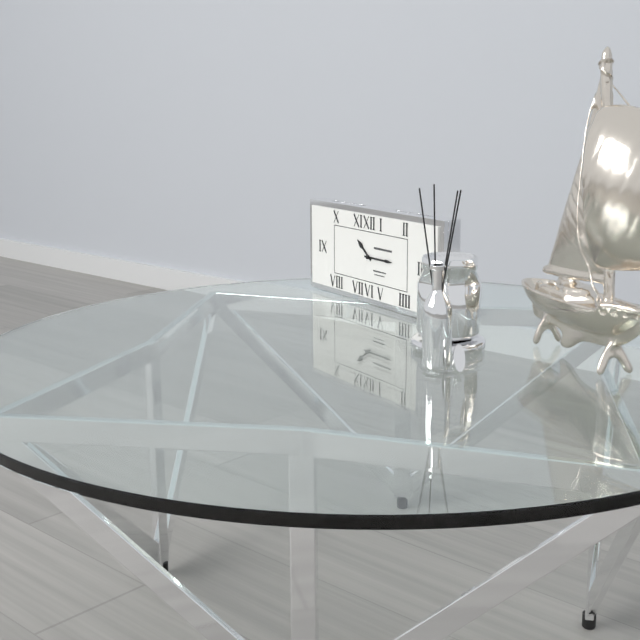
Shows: {"hour": 10, "minute": 15}
